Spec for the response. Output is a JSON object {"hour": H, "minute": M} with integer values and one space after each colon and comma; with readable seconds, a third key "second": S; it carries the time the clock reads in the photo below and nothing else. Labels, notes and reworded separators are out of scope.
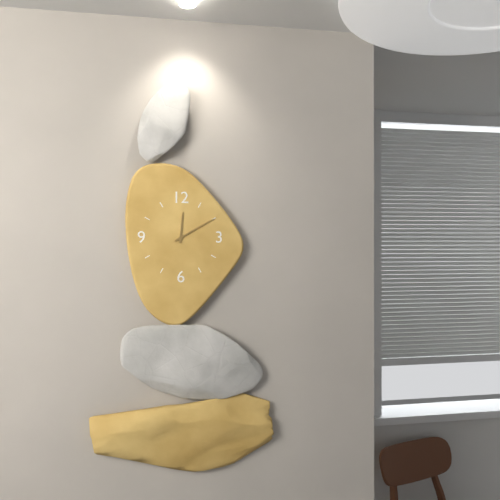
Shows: {"hour": 12, "minute": 10}
